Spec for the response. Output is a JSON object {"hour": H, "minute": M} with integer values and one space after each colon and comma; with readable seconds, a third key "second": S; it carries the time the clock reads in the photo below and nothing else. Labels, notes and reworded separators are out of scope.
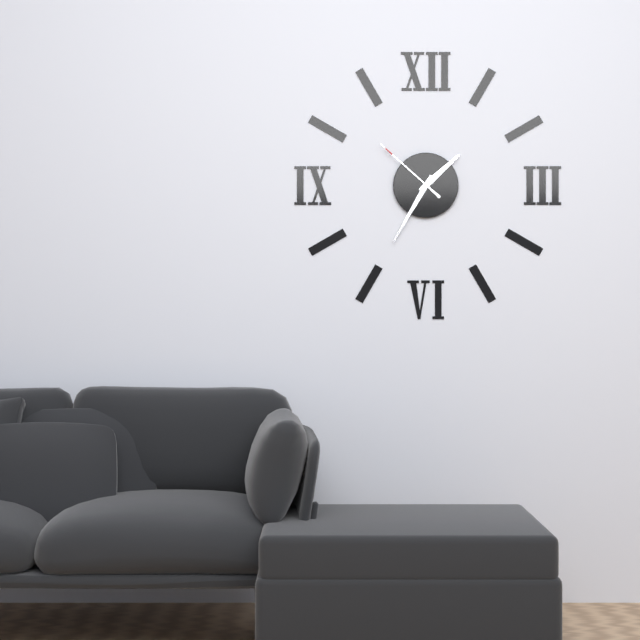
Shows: {"hour": 1, "minute": 35, "second": 52}
